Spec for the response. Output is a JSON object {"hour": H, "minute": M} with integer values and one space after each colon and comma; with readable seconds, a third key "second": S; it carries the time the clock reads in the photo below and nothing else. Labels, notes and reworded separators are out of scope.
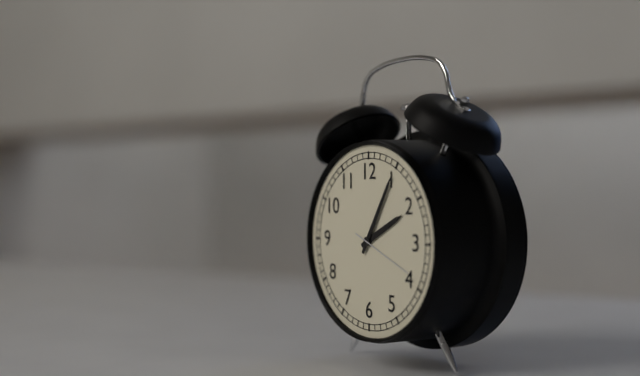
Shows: {"hour": 2, "minute": 5, "second": 19}
